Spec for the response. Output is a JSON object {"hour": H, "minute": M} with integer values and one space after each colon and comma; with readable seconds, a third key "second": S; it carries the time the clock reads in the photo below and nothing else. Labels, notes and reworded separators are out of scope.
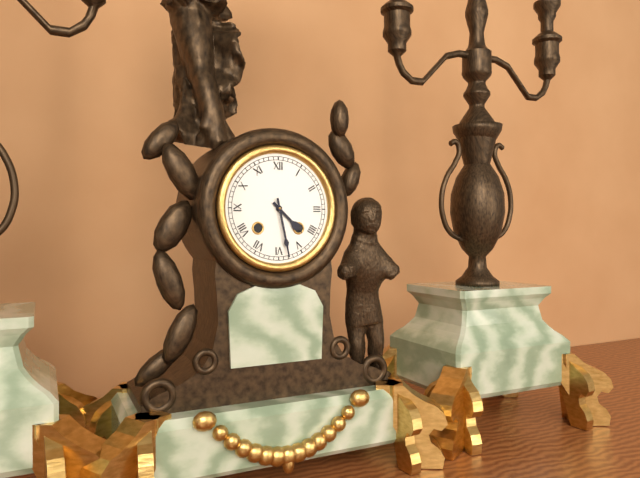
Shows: {"hour": 4, "minute": 28}
